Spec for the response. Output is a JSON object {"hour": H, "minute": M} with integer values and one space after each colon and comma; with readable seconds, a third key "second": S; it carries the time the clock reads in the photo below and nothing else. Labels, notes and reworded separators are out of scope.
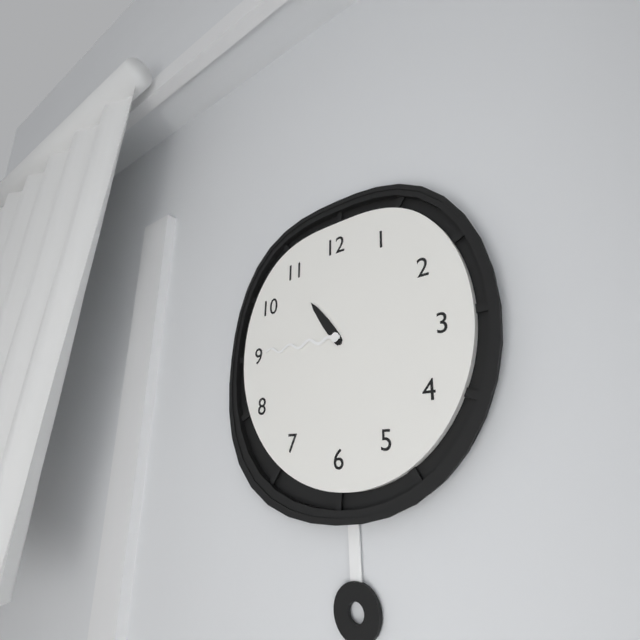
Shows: {"hour": 10, "minute": 45}
